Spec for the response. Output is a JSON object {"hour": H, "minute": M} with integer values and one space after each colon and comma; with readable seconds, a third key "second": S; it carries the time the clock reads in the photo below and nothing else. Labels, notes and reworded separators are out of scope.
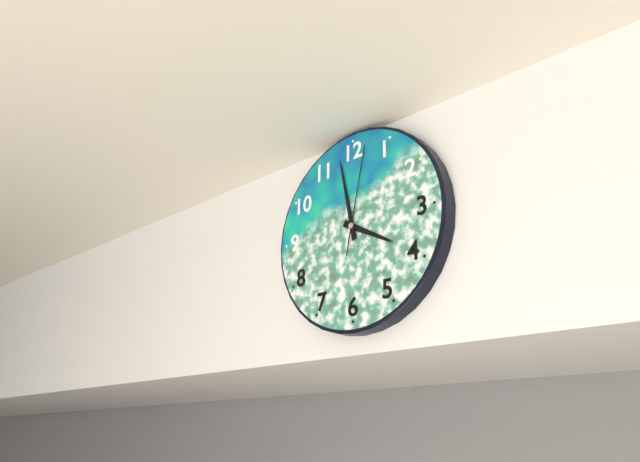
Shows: {"hour": 3, "minute": 58, "second": 2}
